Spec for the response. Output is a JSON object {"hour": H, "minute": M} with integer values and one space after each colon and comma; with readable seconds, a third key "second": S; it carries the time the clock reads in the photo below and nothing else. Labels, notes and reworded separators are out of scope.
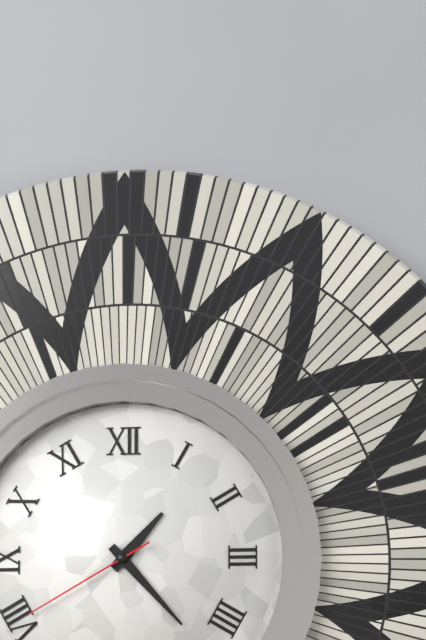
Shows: {"hour": 1, "minute": 23, "second": 40}
